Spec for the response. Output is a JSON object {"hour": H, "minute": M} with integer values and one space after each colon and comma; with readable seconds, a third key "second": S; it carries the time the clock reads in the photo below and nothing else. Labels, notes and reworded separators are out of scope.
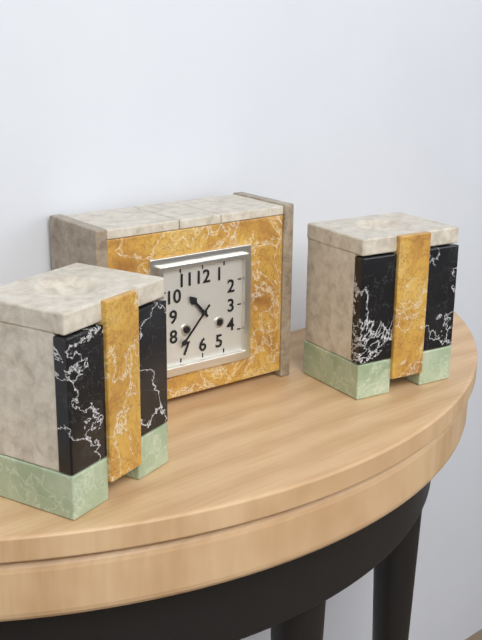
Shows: {"hour": 10, "minute": 37}
